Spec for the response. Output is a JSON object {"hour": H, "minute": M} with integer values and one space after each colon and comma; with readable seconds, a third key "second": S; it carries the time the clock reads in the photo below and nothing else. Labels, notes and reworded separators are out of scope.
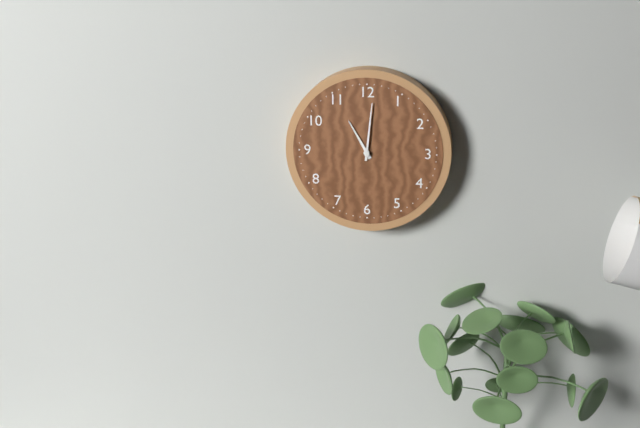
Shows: {"hour": 11, "minute": 1}
